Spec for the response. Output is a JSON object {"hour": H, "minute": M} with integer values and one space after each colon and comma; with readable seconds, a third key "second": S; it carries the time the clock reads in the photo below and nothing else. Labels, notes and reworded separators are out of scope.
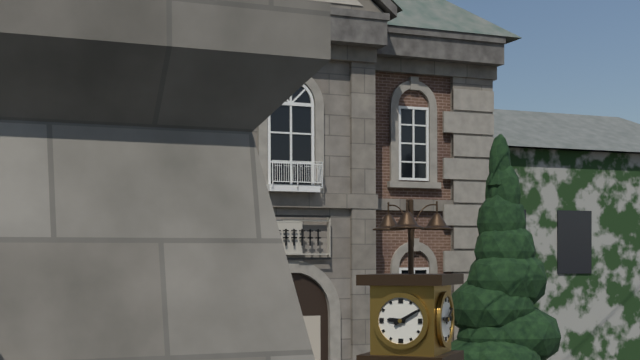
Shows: {"hour": 9, "minute": 10}
